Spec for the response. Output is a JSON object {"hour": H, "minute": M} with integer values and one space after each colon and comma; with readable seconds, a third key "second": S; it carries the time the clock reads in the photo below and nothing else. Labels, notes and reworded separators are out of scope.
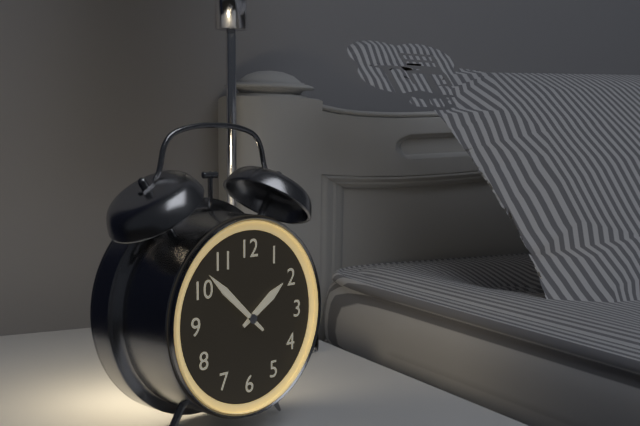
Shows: {"hour": 1, "minute": 52}
